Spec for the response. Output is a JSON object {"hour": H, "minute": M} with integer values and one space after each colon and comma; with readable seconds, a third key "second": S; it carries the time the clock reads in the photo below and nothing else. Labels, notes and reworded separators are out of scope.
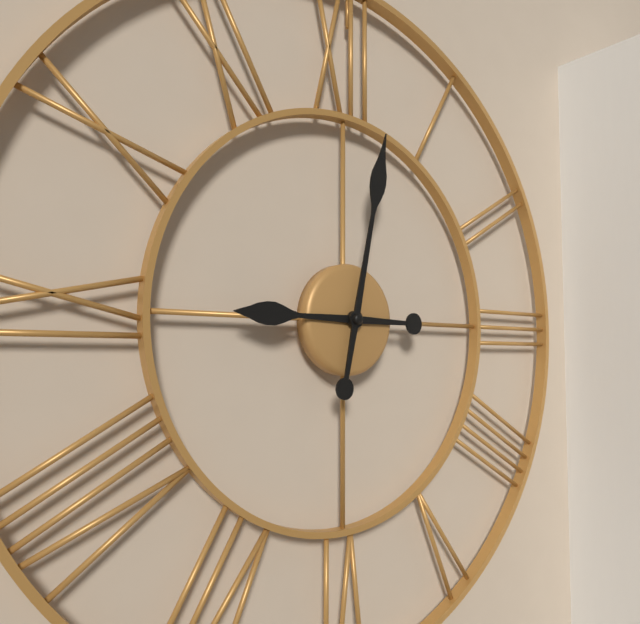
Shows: {"hour": 9, "minute": 2}
